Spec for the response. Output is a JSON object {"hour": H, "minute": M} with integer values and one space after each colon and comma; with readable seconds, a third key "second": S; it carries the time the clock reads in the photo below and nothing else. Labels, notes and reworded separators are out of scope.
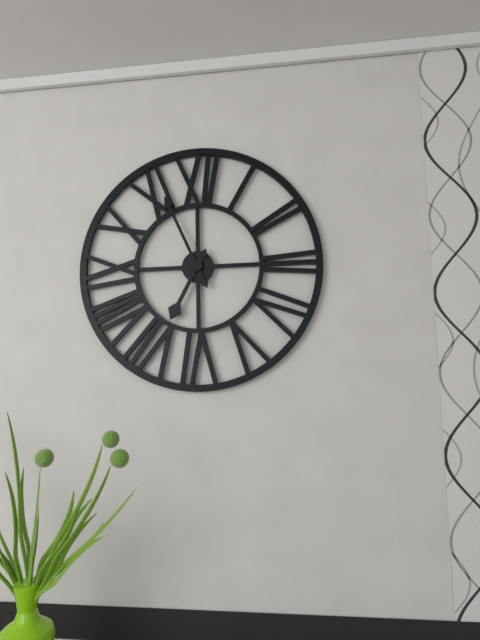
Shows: {"hour": 6, "minute": 56}
